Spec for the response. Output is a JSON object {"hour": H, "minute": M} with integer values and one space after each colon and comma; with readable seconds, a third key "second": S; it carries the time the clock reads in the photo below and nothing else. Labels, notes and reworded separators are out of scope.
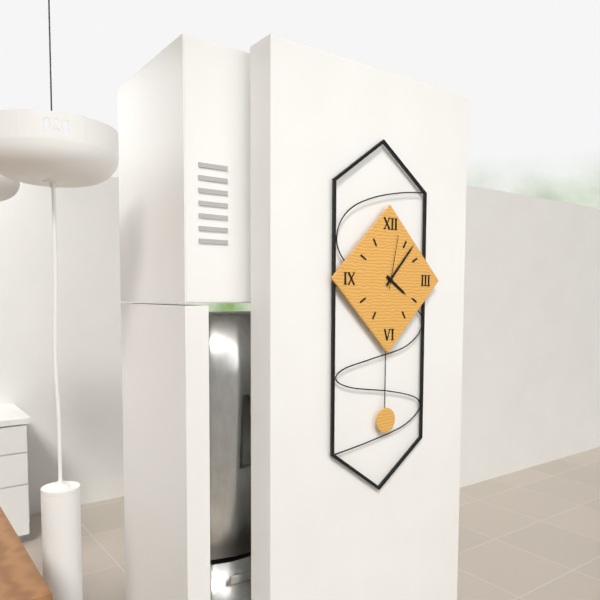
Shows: {"hour": 4, "minute": 7, "second": 2}
